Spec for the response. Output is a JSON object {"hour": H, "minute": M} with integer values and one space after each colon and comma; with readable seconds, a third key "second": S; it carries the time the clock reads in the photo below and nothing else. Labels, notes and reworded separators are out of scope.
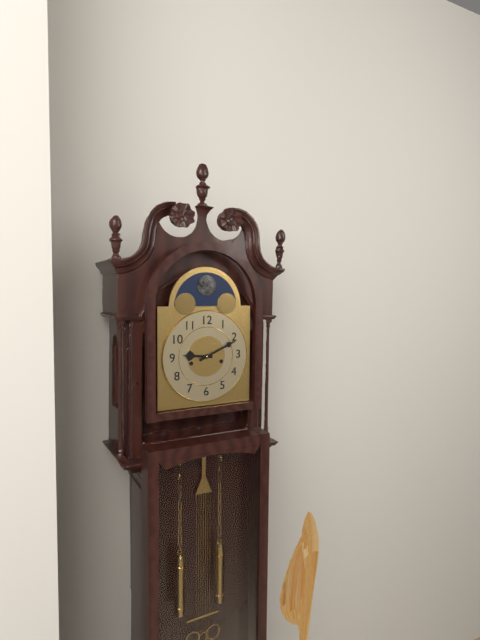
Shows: {"hour": 9, "minute": 11}
